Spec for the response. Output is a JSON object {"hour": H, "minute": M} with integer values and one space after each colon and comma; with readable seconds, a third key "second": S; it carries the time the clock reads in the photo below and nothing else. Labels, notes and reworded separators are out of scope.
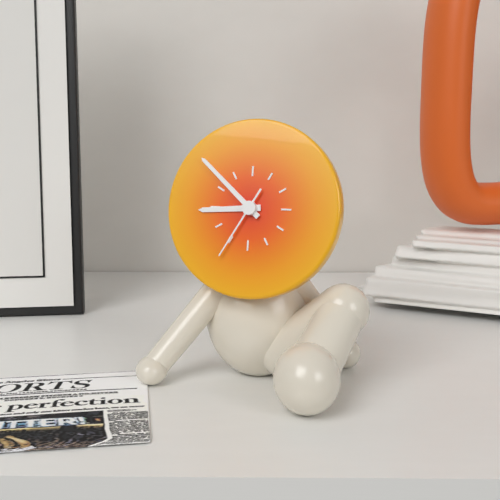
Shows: {"hour": 8, "minute": 52, "second": 35}
